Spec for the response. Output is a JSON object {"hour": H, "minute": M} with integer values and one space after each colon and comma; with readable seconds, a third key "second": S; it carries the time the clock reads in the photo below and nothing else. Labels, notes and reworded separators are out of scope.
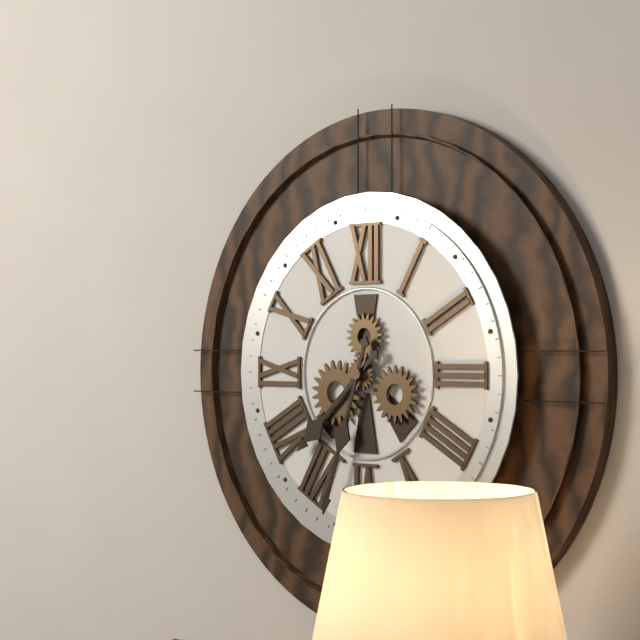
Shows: {"hour": 7, "minute": 33}
